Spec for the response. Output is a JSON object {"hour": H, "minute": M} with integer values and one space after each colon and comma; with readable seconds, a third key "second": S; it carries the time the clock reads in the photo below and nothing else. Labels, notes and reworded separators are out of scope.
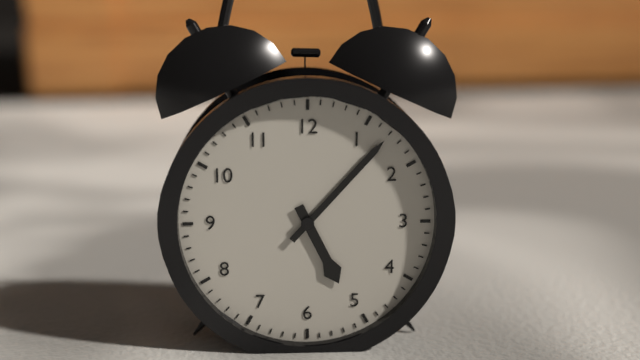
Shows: {"hour": 5, "minute": 7}
